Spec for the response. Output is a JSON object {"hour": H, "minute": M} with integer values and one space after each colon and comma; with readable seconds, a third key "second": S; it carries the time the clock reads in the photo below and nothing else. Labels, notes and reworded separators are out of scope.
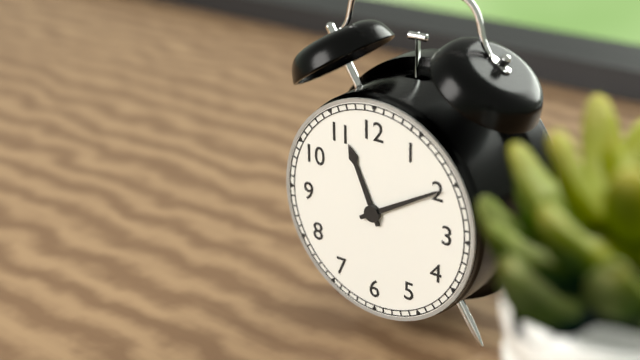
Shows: {"hour": 11, "minute": 10}
